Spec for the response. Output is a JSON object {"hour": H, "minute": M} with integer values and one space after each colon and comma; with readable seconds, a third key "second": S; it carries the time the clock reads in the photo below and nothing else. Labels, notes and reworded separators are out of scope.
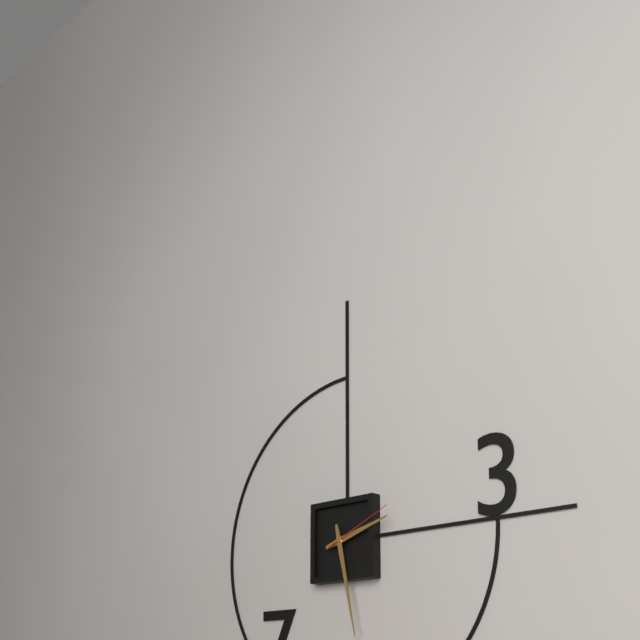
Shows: {"hour": 2, "minute": 28, "second": 11}
